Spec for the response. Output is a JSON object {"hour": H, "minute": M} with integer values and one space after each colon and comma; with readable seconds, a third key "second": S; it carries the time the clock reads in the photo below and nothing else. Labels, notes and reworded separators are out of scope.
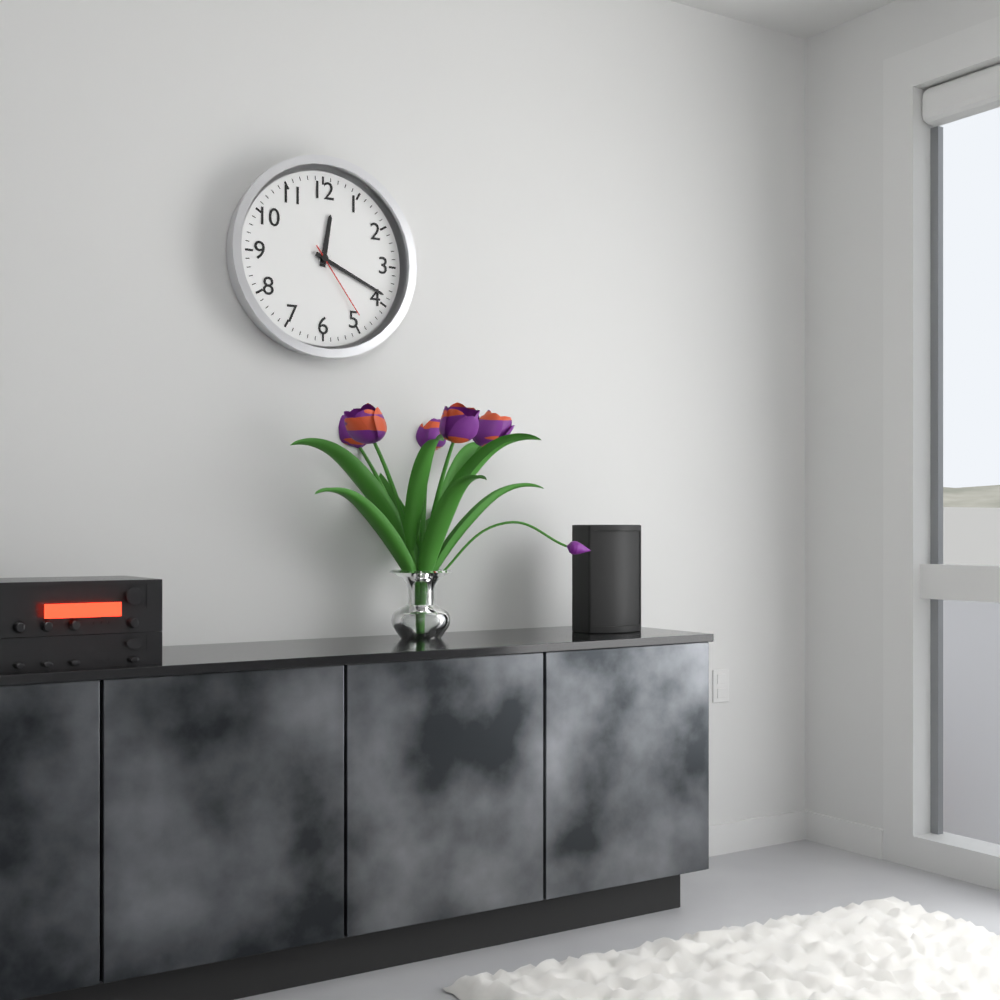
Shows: {"hour": 12, "minute": 19, "second": 24}
